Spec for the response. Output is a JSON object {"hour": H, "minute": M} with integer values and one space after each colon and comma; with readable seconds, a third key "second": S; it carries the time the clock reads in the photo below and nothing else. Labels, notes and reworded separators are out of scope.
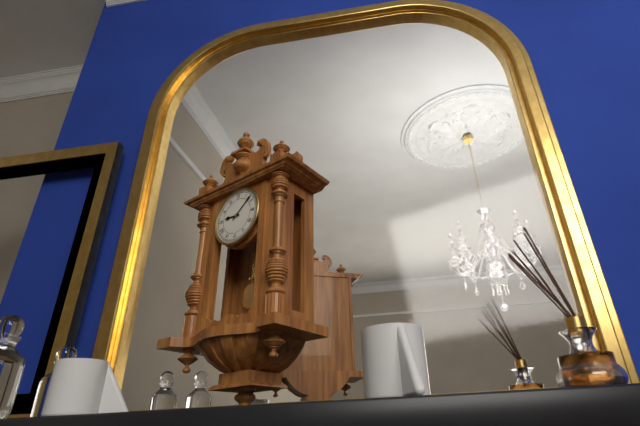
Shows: {"hour": 9, "minute": 8}
